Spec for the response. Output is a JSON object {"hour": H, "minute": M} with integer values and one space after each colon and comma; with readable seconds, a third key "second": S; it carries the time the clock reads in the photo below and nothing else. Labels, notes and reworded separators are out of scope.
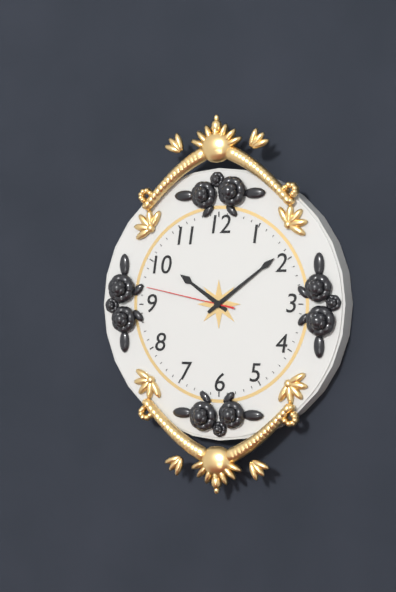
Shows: {"hour": 10, "minute": 9, "second": 47}
